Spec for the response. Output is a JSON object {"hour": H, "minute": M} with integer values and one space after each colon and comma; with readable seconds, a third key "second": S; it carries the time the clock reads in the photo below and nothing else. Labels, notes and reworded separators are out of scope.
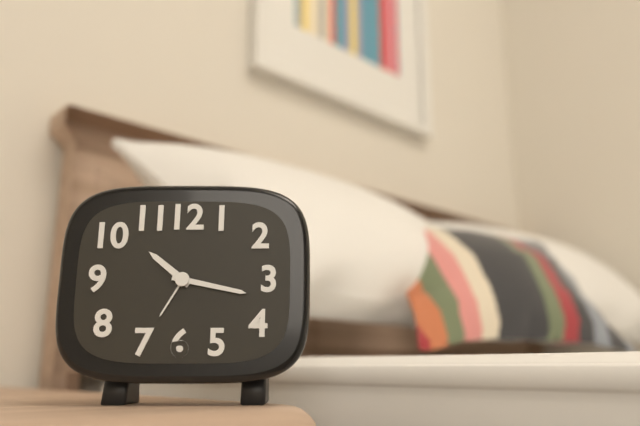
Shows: {"hour": 10, "minute": 17}
